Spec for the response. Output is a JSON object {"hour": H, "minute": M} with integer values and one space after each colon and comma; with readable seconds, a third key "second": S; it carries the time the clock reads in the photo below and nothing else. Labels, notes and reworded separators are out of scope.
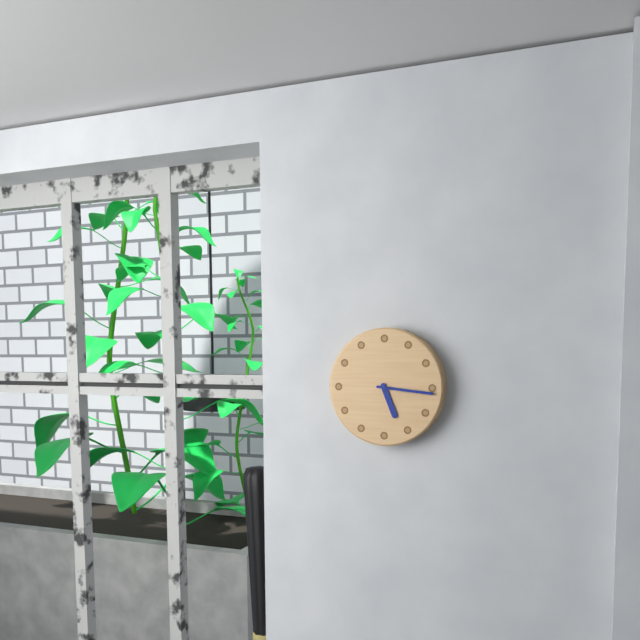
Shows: {"hour": 5, "minute": 16}
